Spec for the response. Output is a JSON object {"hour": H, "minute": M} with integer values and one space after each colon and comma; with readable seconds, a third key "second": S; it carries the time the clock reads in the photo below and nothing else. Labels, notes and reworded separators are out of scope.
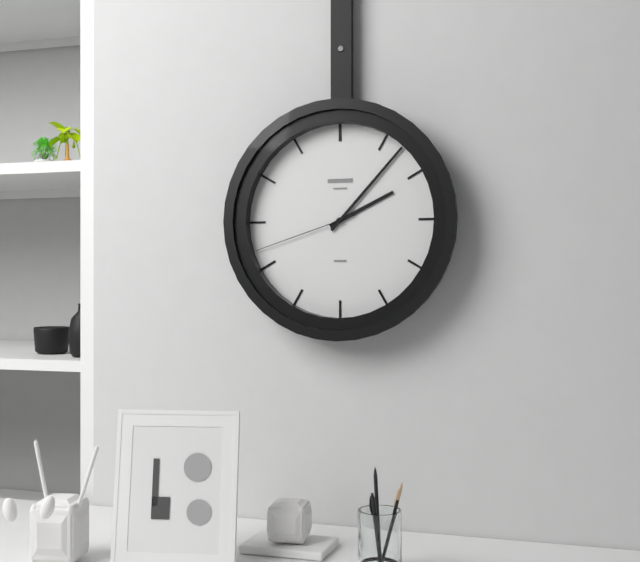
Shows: {"hour": 2, "minute": 7, "second": 42}
